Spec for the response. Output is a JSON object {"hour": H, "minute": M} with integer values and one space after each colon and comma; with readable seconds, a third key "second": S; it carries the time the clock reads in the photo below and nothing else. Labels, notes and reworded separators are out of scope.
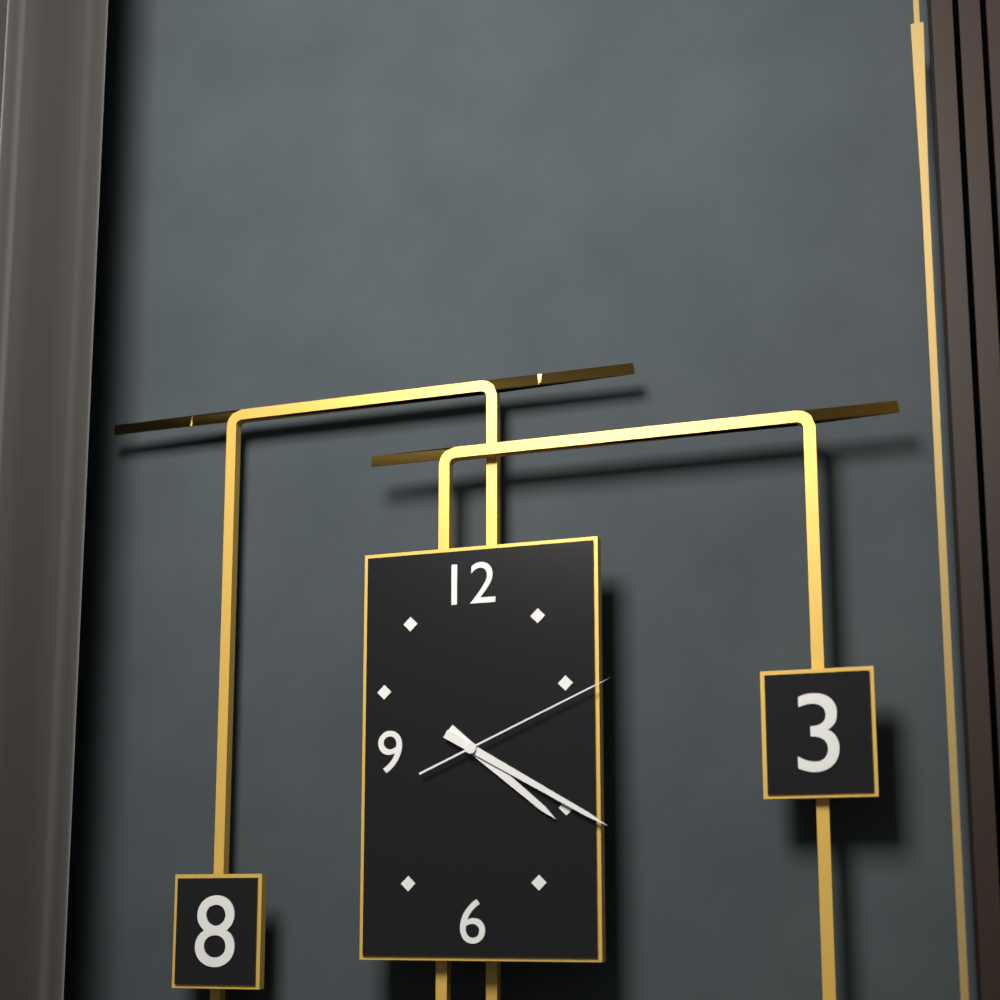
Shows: {"hour": 4, "minute": 20, "second": 11}
